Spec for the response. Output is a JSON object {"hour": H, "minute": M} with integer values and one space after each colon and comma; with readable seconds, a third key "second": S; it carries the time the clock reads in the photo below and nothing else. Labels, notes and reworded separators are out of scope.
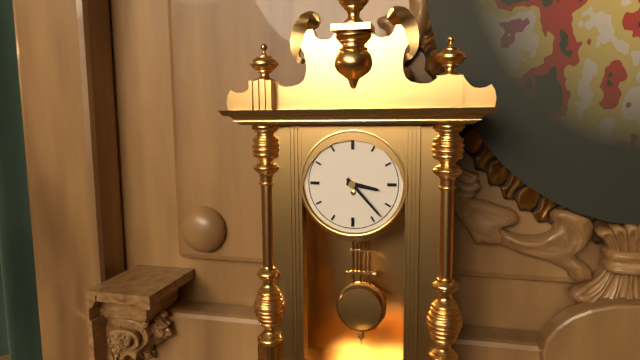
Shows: {"hour": 3, "minute": 23}
